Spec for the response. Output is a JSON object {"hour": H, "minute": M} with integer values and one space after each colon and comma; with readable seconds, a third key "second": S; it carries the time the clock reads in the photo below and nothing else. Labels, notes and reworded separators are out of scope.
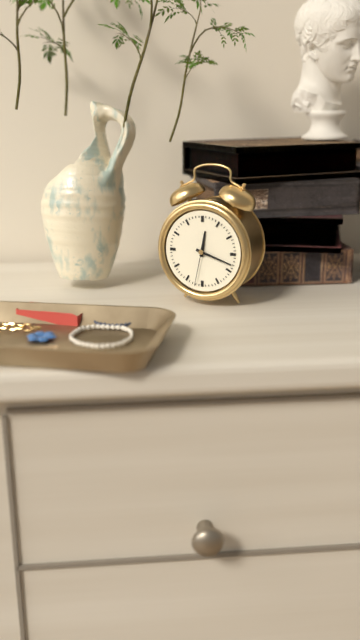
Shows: {"hour": 12, "minute": 18}
